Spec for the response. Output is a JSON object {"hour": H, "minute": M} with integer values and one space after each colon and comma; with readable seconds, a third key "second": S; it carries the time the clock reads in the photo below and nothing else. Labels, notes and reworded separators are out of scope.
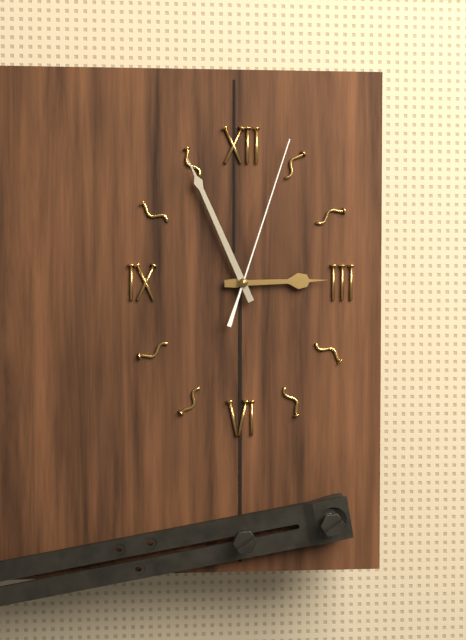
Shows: {"hour": 2, "minute": 56, "second": 3}
